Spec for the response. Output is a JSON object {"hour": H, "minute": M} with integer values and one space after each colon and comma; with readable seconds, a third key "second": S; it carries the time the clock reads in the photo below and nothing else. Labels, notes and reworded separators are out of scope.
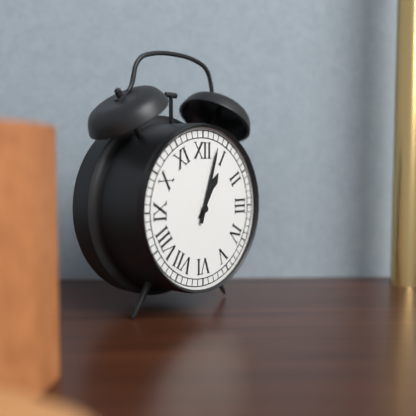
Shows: {"hour": 1, "minute": 3}
